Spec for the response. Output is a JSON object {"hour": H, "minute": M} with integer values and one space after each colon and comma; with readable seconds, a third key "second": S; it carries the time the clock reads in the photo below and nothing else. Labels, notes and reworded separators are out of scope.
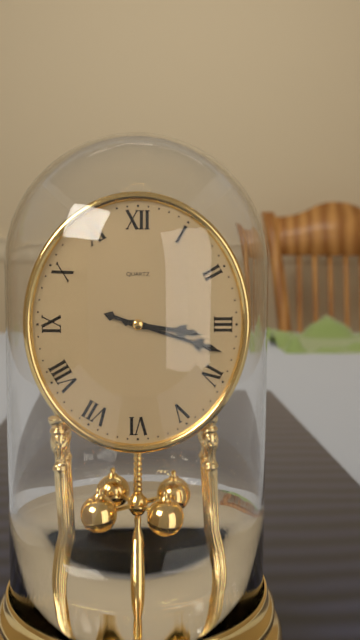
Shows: {"hour": 3, "minute": 18}
